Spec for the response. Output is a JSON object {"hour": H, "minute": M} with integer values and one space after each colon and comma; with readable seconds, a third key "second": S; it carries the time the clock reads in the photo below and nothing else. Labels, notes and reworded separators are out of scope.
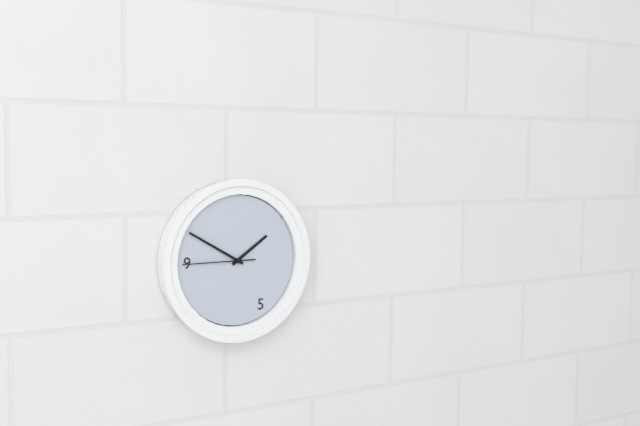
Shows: {"hour": 1, "minute": 50, "second": 45}
